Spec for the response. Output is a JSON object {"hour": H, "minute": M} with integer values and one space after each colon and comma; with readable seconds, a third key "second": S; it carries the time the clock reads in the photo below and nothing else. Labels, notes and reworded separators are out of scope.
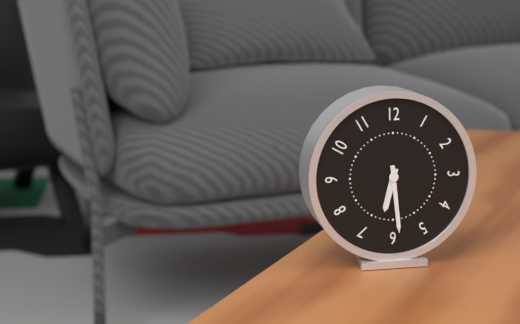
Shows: {"hour": 6, "minute": 29}
